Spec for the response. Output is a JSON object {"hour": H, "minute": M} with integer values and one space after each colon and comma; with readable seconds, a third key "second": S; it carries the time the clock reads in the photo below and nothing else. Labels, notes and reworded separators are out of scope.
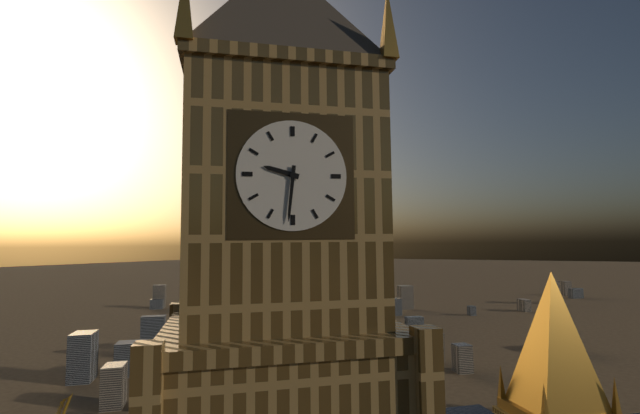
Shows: {"hour": 9, "minute": 31}
